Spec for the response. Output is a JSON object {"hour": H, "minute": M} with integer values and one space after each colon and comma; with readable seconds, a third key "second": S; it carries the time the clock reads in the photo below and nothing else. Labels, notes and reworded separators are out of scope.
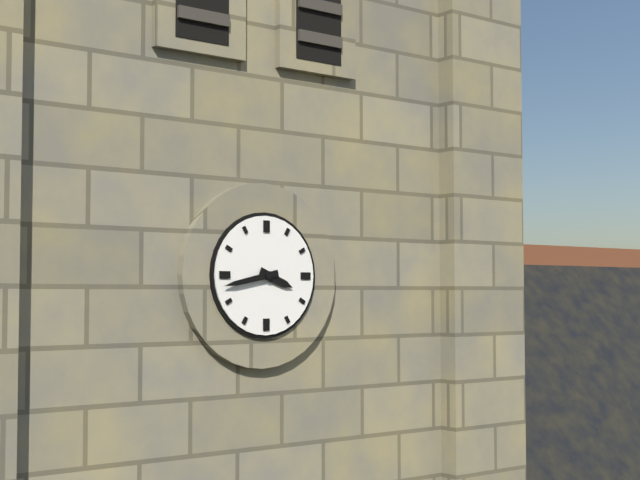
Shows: {"hour": 3, "minute": 43}
